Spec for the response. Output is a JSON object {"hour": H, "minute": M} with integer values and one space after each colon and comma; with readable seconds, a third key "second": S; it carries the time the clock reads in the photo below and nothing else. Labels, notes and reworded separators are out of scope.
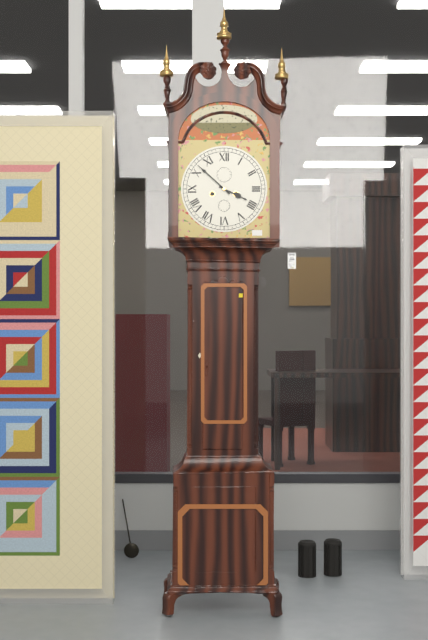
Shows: {"hour": 3, "minute": 52}
